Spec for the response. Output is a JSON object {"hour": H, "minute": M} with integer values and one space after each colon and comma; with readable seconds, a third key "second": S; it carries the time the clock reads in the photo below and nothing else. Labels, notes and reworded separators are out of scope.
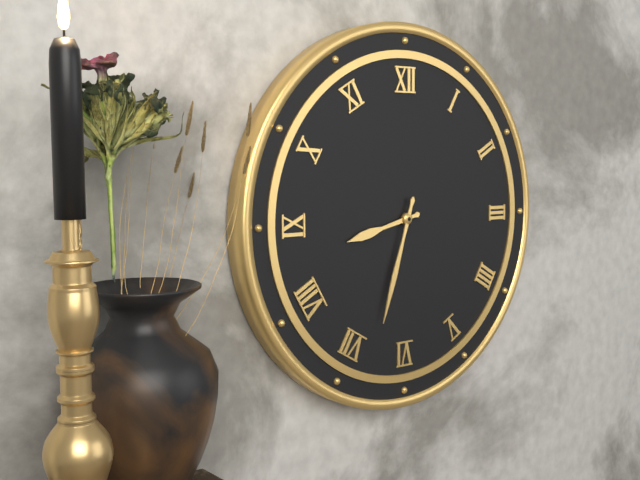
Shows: {"hour": 8, "minute": 33}
